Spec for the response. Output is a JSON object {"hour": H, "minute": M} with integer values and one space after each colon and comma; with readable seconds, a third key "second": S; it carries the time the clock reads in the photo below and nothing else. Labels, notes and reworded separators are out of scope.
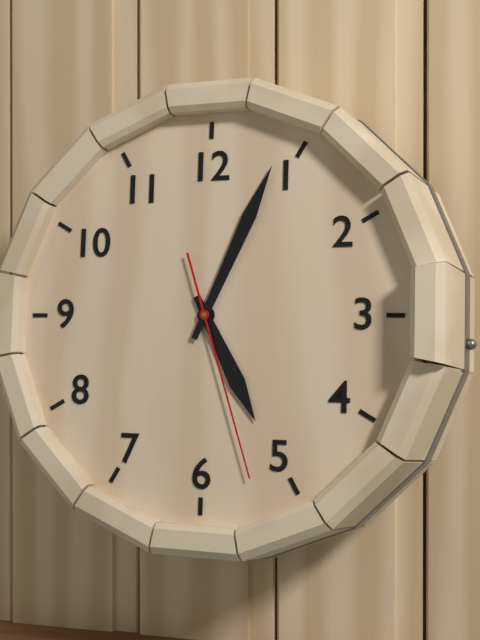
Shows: {"hour": 5, "minute": 4, "second": 27}
